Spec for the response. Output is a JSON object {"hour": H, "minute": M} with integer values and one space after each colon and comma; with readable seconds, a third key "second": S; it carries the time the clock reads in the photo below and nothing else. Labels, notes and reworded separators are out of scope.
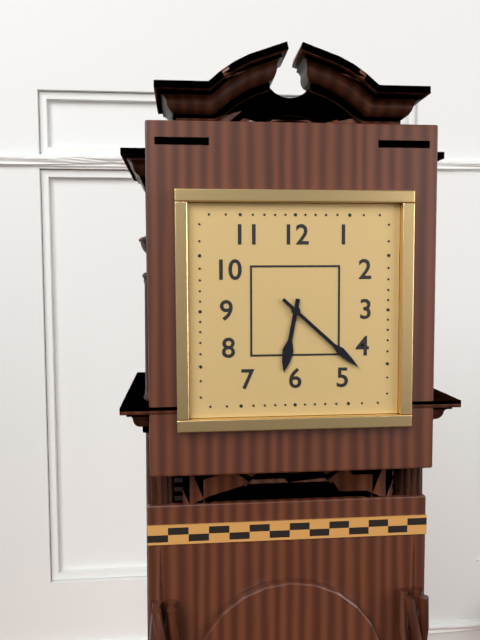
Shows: {"hour": 6, "minute": 22}
